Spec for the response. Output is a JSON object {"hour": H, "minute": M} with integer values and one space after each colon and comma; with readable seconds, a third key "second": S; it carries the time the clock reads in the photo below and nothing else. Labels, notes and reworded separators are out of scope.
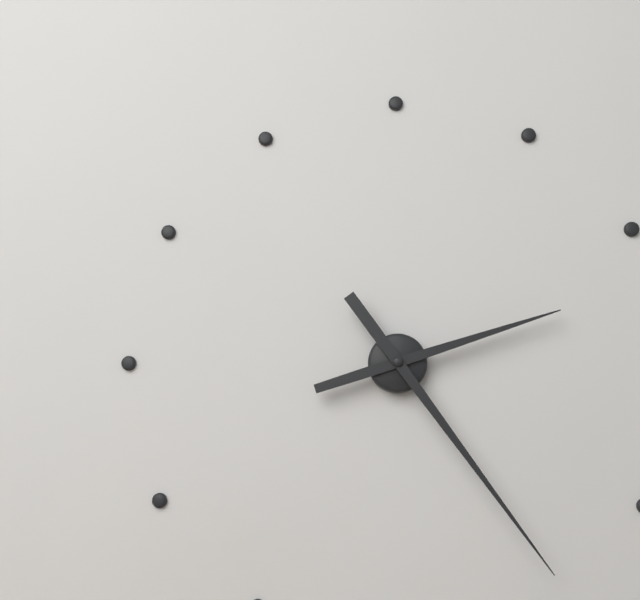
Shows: {"hour": 2, "minute": 24}
